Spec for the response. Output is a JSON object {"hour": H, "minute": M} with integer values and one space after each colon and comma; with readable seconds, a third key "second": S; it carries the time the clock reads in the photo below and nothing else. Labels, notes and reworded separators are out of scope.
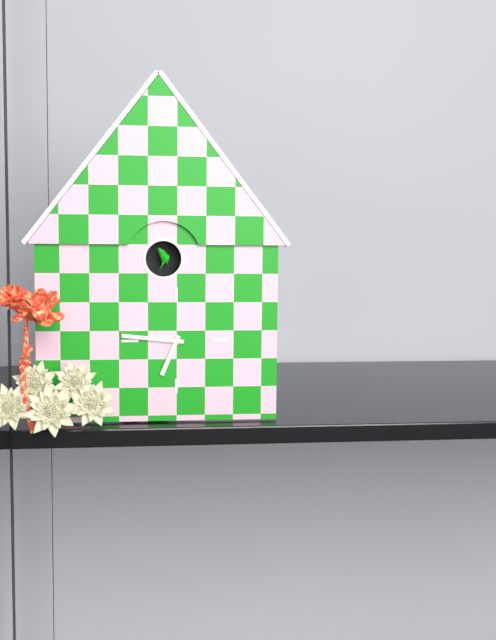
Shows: {"hour": 6, "minute": 46}
